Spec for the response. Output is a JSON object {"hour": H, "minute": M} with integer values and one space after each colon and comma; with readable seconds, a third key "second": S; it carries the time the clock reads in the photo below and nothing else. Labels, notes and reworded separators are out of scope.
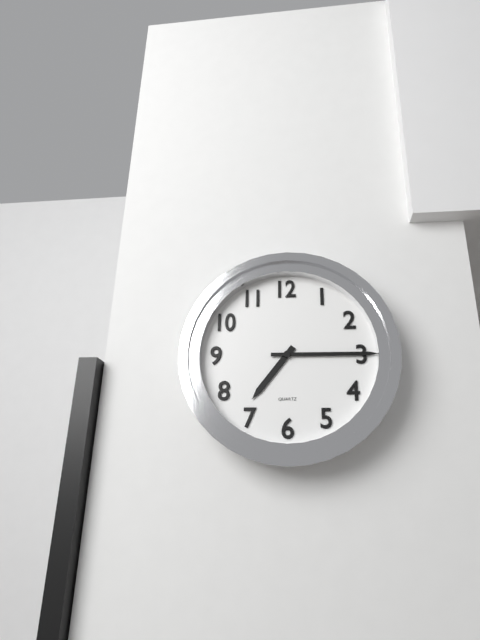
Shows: {"hour": 7, "minute": 15}
